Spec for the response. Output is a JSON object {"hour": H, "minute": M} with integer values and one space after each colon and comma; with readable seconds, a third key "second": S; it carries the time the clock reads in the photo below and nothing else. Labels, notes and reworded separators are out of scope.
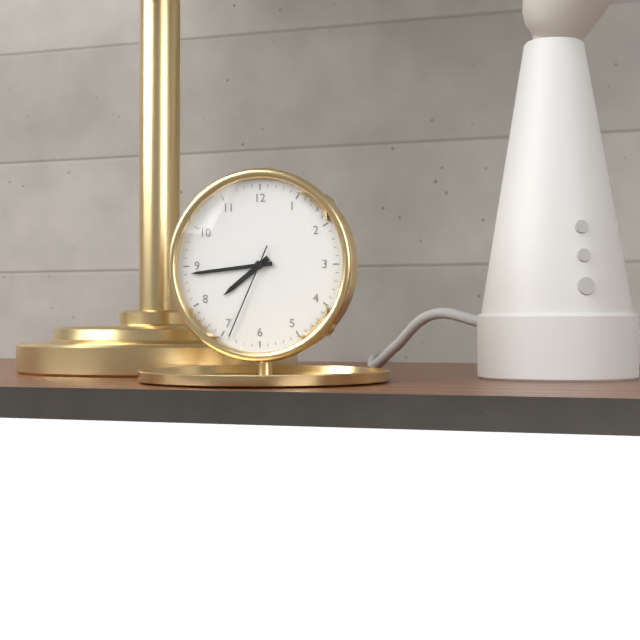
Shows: {"hour": 7, "minute": 44, "second": 34}
